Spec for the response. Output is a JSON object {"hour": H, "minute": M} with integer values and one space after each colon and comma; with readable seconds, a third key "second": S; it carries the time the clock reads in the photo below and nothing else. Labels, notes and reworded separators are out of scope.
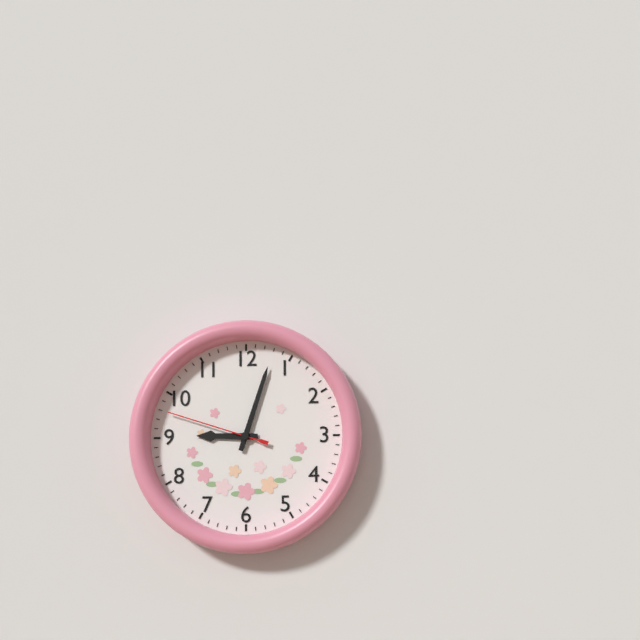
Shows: {"hour": 9, "minute": 3, "second": 48}
